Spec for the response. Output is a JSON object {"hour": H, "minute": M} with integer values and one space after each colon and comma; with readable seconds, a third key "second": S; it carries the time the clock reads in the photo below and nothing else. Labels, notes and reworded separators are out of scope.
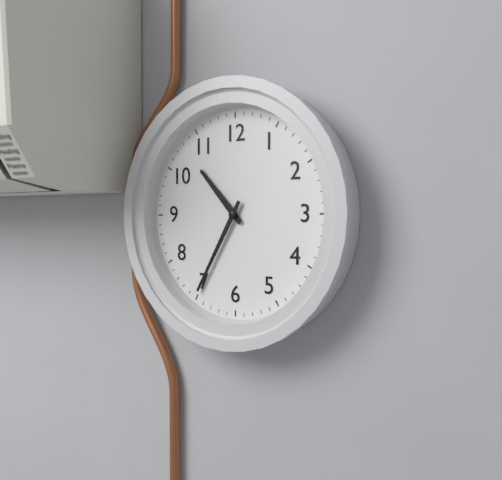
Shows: {"hour": 10, "minute": 35}
